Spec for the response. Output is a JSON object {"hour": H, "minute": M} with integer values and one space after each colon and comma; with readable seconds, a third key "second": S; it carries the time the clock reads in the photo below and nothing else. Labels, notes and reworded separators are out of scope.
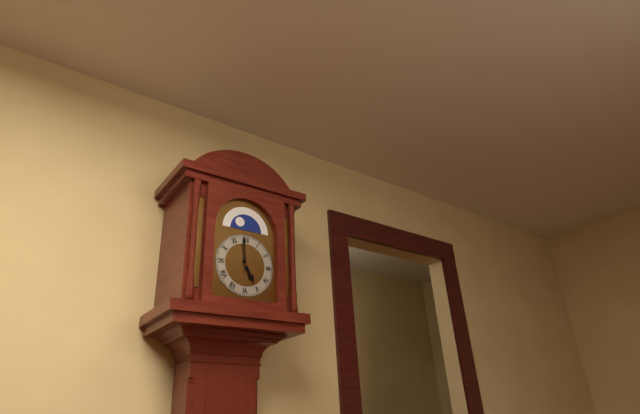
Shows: {"hour": 4, "minute": 59}
